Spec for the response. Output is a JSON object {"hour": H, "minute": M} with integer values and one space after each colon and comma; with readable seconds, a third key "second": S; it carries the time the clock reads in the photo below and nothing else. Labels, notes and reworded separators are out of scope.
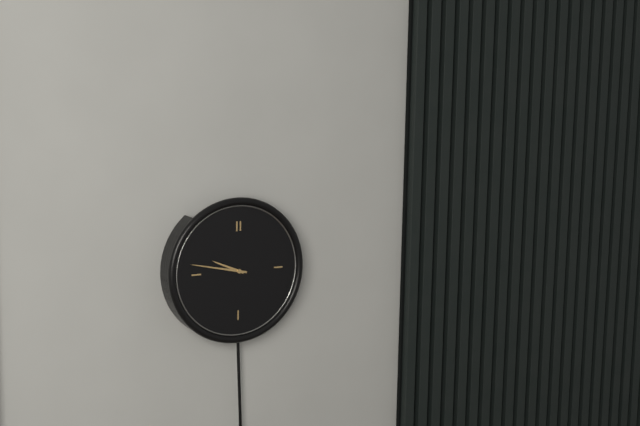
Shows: {"hour": 9, "minute": 47}
